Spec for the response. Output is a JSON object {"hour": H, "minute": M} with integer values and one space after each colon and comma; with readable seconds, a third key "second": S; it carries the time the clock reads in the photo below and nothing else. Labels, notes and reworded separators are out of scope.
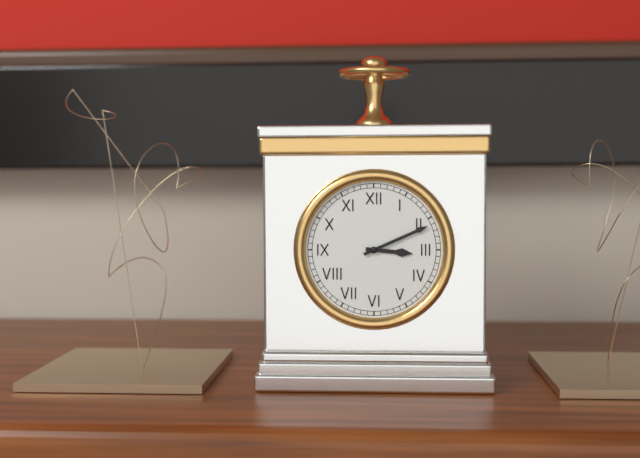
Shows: {"hour": 3, "minute": 11}
